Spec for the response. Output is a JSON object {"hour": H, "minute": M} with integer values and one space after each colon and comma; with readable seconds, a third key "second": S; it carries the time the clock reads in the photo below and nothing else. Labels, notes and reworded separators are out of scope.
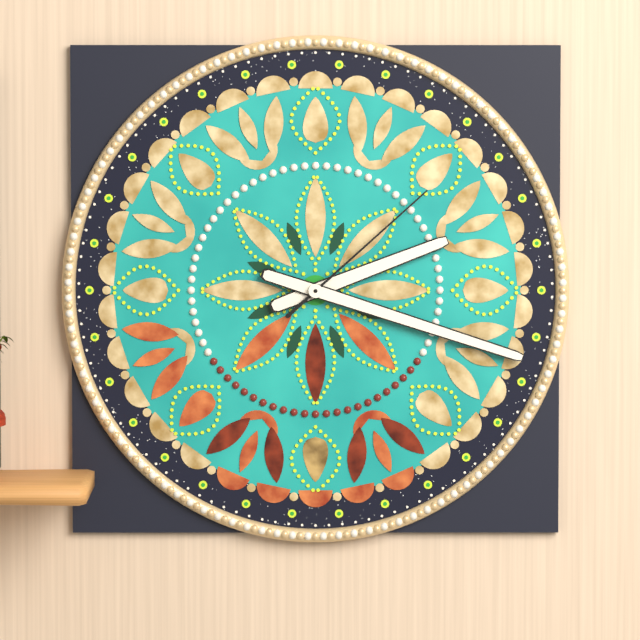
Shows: {"hour": 2, "minute": 18, "second": 8}
